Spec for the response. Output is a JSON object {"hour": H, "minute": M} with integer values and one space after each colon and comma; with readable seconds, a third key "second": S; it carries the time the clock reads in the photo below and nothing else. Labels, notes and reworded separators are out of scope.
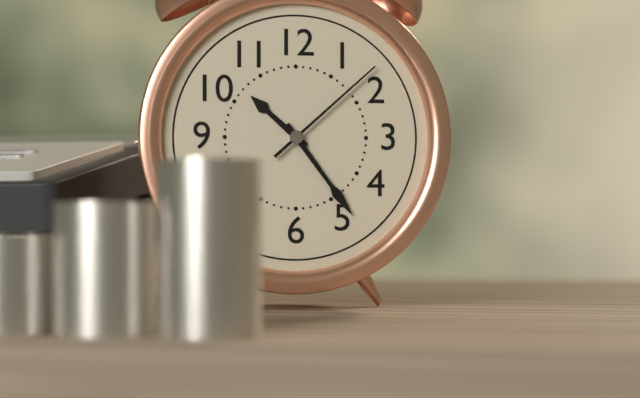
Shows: {"hour": 10, "minute": 24, "second": 8}
